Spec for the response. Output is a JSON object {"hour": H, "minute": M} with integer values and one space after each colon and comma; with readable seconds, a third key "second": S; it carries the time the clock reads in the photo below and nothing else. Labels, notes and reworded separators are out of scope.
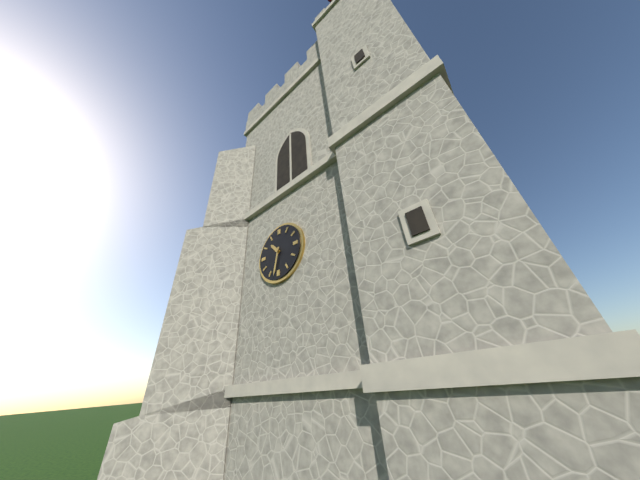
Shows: {"hour": 10, "minute": 32}
